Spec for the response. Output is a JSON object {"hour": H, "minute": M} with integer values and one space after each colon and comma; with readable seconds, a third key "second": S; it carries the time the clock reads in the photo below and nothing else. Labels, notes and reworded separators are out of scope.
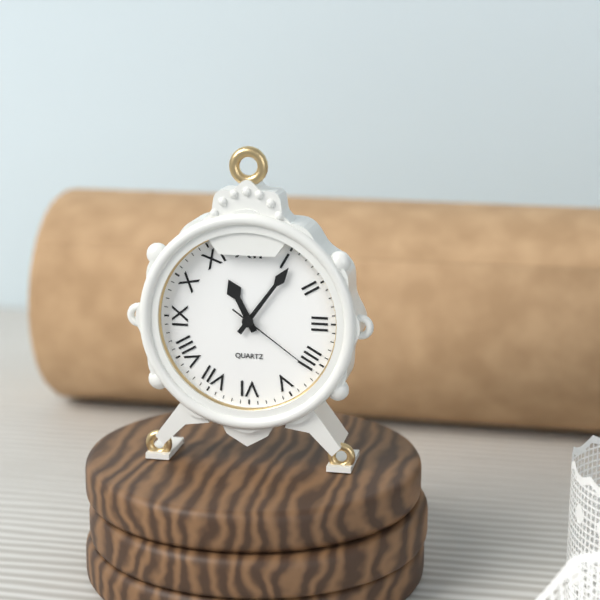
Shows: {"hour": 11, "minute": 6, "second": 21}
